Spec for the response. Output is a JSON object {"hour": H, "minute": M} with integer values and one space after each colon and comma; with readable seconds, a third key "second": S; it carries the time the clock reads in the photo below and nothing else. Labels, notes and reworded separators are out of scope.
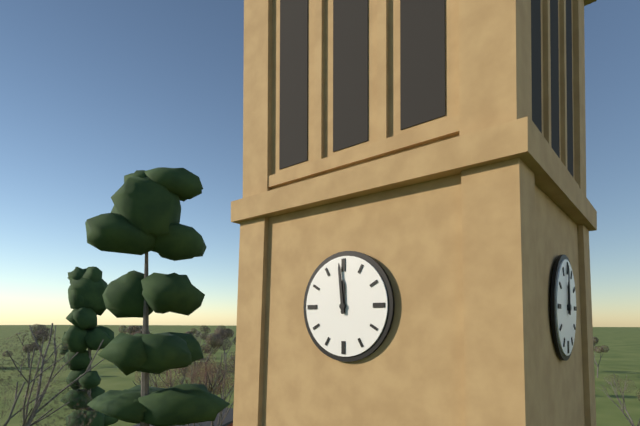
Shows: {"hour": 11, "minute": 59}
